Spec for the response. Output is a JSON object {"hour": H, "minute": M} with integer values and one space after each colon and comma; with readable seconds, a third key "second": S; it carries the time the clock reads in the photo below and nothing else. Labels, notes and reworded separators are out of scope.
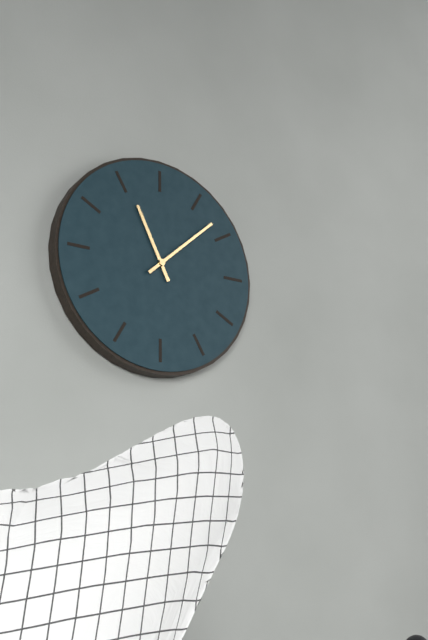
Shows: {"hour": 11, "minute": 8}
